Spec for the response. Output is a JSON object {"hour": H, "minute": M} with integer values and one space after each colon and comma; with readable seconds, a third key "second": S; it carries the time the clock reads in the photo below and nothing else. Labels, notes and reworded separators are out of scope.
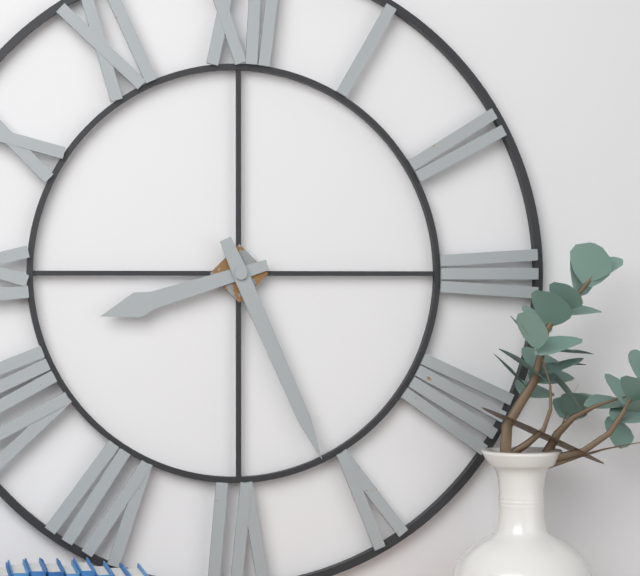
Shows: {"hour": 8, "minute": 26}
